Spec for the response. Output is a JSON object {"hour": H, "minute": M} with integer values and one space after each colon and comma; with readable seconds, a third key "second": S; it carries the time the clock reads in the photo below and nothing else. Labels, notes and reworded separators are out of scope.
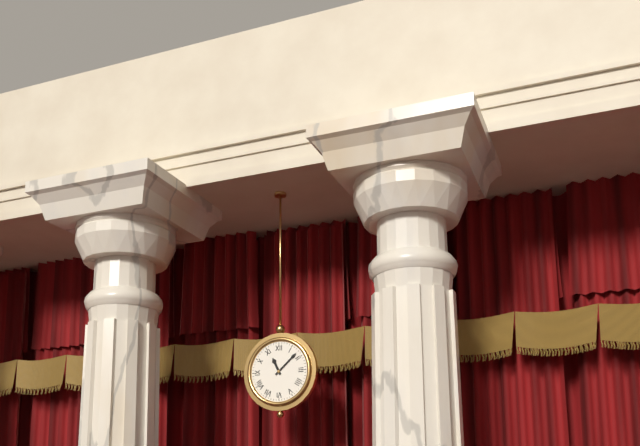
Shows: {"hour": 11, "minute": 8}
